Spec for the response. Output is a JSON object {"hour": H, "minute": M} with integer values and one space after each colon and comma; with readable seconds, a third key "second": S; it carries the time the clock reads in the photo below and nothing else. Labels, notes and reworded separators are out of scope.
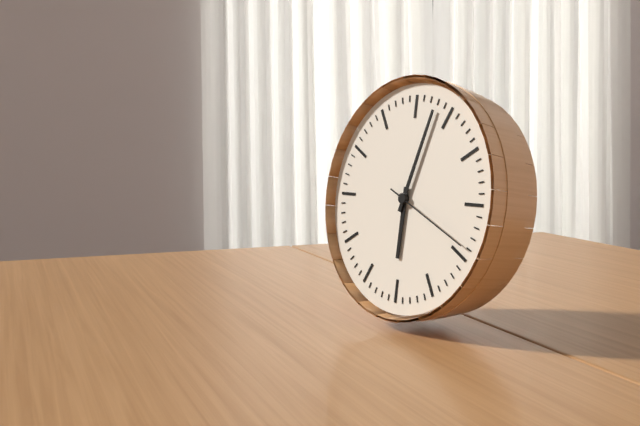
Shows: {"hour": 6, "minute": 3, "second": 19}
